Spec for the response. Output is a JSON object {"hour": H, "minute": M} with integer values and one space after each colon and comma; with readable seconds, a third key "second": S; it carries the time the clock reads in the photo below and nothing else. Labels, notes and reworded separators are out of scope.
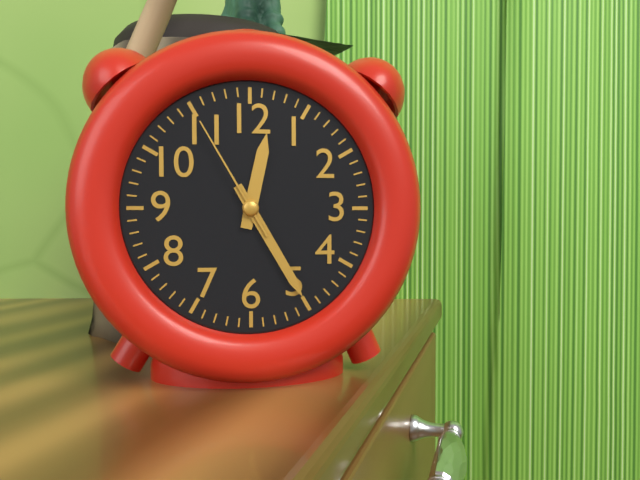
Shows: {"hour": 12, "minute": 25, "second": 55}
